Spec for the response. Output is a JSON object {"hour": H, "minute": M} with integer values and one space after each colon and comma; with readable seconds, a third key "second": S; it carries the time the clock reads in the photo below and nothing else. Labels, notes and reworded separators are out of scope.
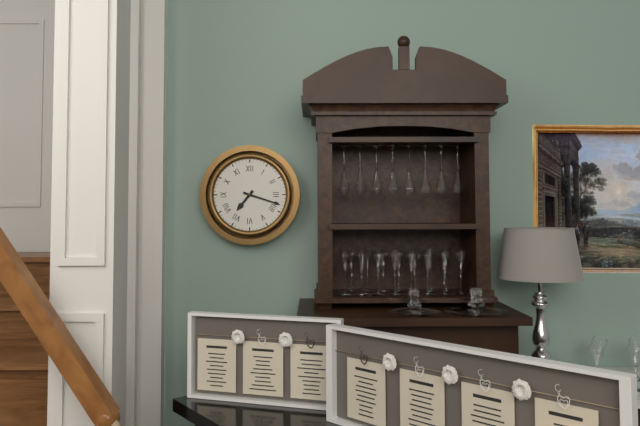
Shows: {"hour": 7, "minute": 18}
